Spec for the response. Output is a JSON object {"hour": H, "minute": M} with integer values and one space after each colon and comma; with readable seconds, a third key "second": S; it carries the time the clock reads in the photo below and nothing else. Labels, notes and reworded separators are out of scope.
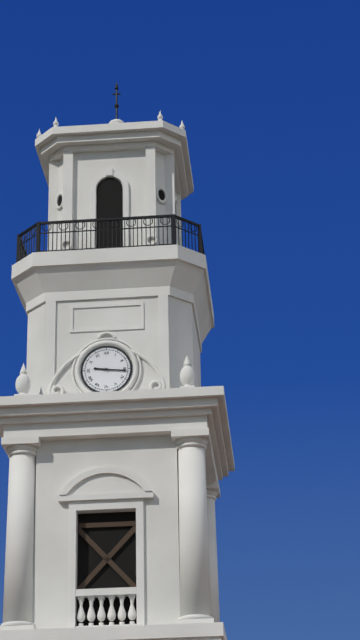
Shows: {"hour": 9, "minute": 16}
